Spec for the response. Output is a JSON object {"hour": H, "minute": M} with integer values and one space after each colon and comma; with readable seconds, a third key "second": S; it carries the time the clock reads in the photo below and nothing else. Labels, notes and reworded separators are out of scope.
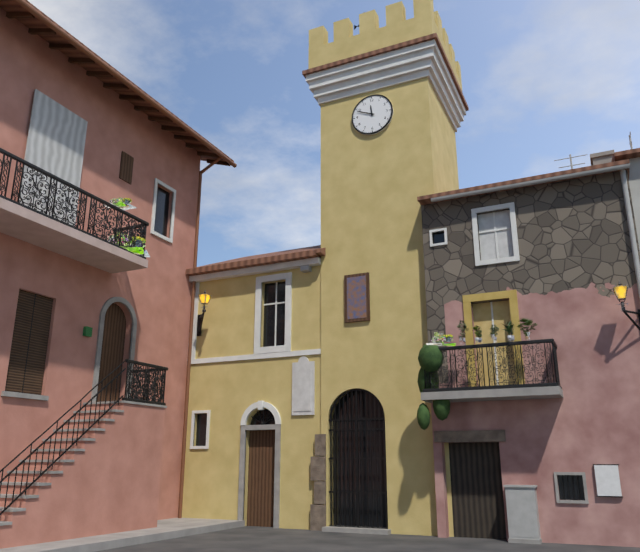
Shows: {"hour": 11, "minute": 49}
